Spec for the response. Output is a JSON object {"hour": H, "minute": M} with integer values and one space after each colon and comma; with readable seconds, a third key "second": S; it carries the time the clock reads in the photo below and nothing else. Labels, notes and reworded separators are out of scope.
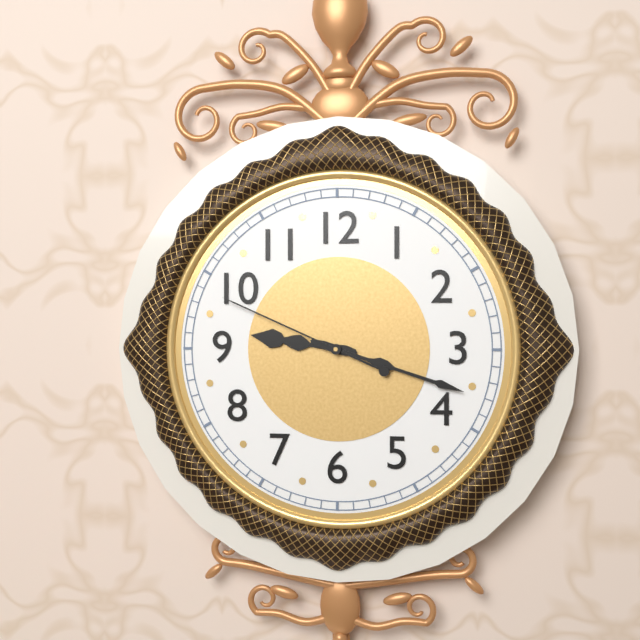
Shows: {"hour": 9, "minute": 18, "second": 49}
